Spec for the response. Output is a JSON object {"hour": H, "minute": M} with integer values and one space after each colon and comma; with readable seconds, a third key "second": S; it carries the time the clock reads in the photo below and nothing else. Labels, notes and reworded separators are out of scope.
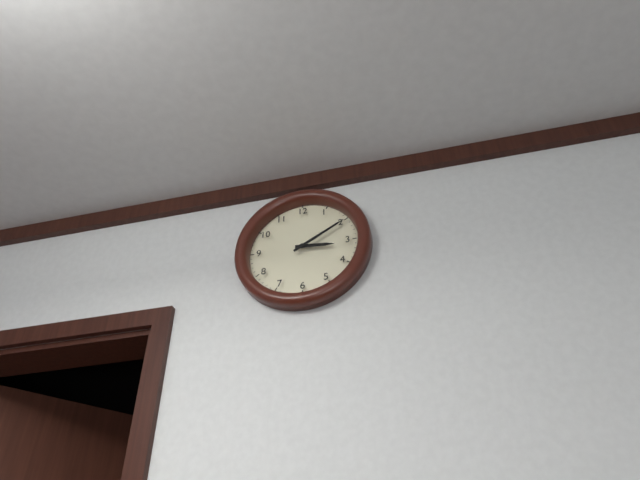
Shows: {"hour": 3, "minute": 10}
